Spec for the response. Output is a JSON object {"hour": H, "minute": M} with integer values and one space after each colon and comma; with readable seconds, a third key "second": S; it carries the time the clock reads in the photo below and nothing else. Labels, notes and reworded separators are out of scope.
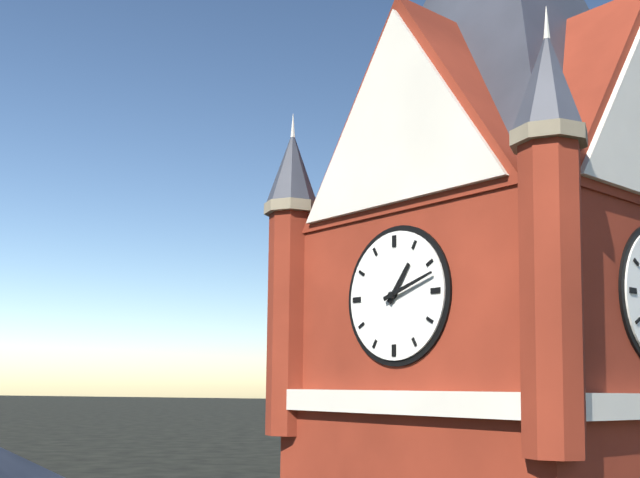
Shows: {"hour": 1, "minute": 12}
